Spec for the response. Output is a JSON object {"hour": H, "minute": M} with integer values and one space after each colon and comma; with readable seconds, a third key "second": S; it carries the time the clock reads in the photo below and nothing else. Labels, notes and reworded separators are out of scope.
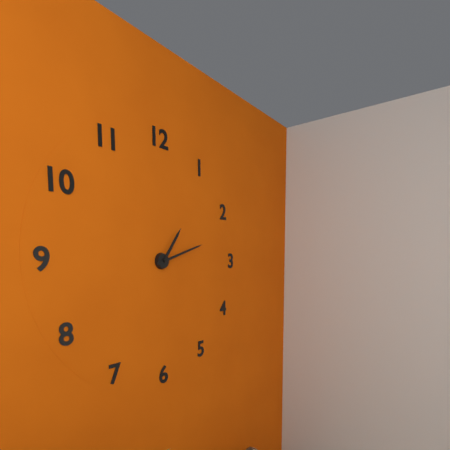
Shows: {"hour": 1, "minute": 12}
